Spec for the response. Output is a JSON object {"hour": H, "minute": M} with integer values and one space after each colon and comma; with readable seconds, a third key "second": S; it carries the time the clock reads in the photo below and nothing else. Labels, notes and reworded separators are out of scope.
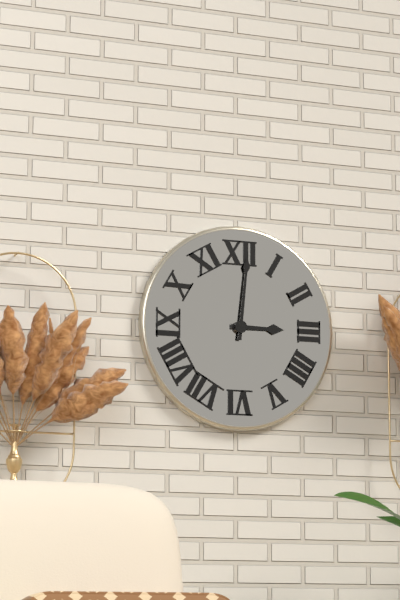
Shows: {"hour": 3, "minute": 1}
